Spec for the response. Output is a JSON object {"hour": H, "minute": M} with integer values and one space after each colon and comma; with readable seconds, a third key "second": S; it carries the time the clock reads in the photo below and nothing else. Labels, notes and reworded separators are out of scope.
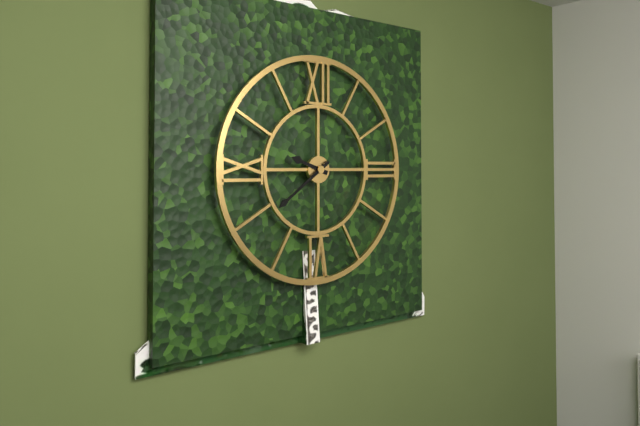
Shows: {"hour": 9, "minute": 39}
